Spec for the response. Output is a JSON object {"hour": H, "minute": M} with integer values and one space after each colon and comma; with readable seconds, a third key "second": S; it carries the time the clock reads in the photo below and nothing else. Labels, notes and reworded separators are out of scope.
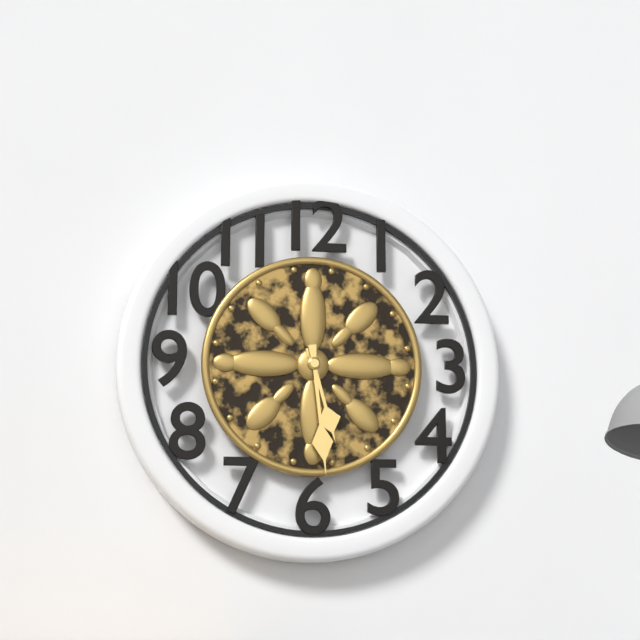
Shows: {"hour": 5, "minute": 29}
